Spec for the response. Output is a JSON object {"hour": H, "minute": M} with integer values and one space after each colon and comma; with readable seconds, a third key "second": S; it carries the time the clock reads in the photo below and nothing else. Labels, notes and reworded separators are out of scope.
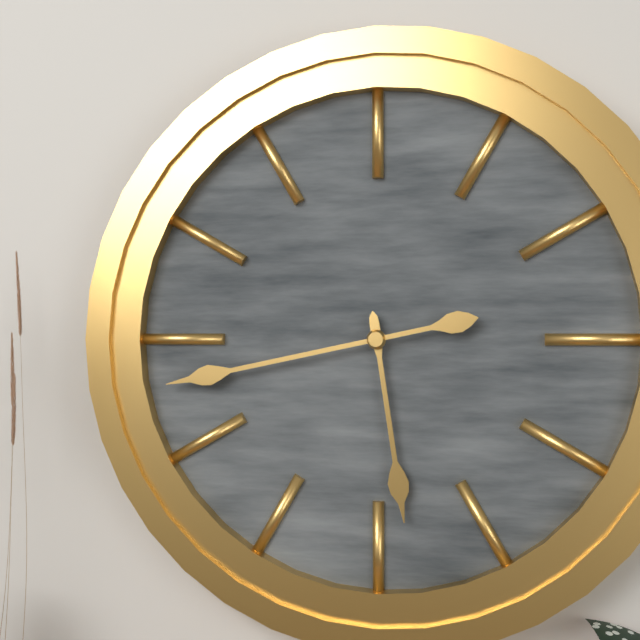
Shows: {"hour": 5, "minute": 43}
